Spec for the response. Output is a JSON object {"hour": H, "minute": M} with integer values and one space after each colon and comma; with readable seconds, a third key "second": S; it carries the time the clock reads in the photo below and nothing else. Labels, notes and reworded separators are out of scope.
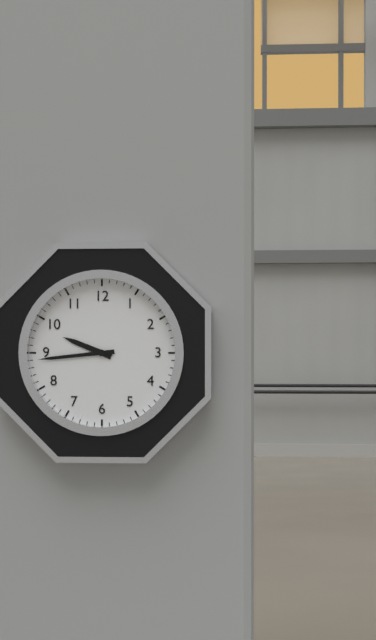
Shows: {"hour": 9, "minute": 44}
